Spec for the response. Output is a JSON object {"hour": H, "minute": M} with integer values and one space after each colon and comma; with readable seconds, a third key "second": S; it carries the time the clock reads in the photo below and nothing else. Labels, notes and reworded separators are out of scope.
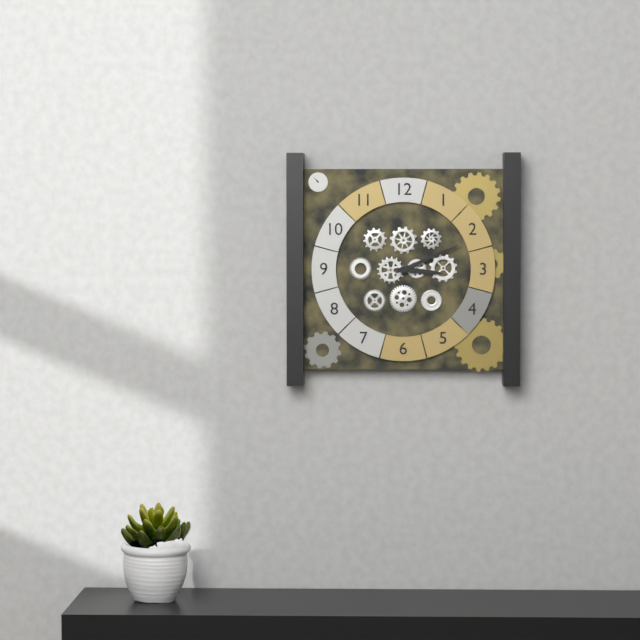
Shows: {"hour": 3, "minute": 11}
